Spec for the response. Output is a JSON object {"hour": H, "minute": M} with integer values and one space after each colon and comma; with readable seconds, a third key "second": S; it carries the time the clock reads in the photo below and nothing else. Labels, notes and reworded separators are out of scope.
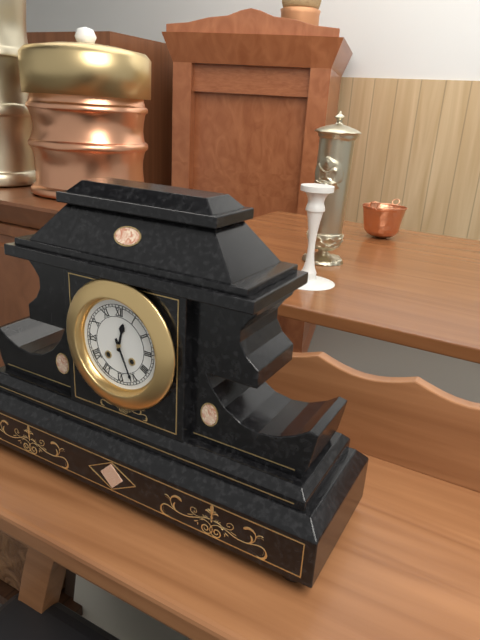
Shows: {"hour": 12, "minute": 26}
